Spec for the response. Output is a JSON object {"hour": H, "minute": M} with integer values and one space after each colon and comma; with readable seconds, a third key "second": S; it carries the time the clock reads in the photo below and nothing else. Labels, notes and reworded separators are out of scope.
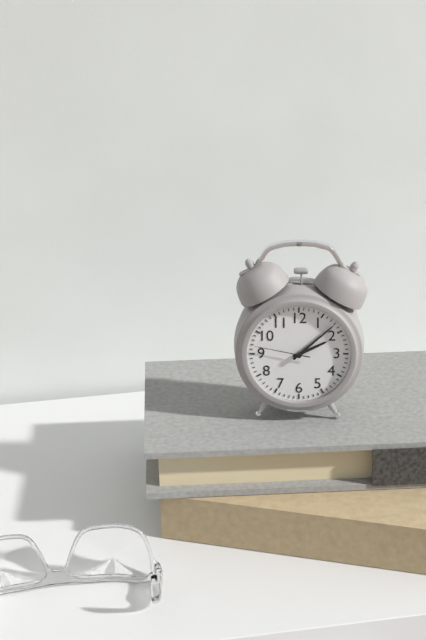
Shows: {"hour": 2, "minute": 8, "second": 47}
